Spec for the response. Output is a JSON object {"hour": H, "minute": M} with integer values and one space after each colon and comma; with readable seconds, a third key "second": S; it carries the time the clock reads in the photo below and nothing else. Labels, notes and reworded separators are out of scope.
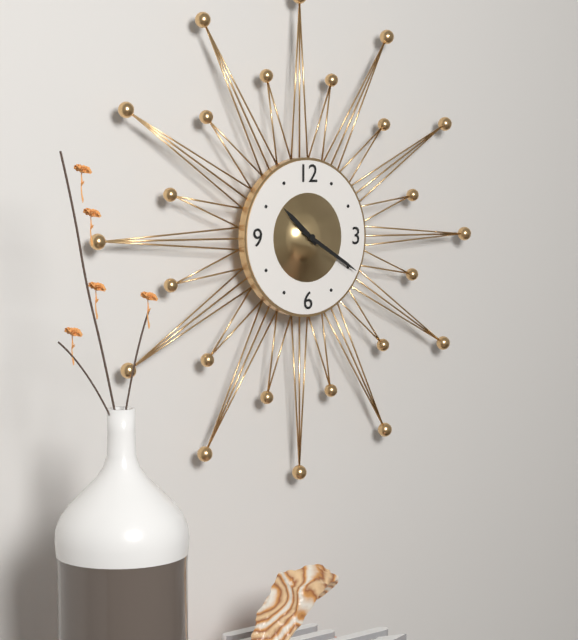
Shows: {"hour": 10, "minute": 20}
